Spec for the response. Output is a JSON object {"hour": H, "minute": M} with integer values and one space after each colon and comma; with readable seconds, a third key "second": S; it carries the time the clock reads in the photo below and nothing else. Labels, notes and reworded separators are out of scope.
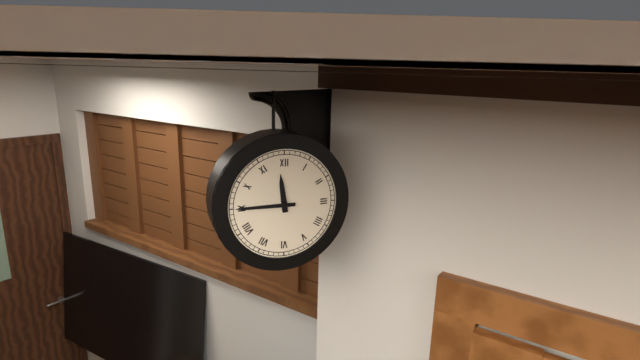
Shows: {"hour": 11, "minute": 45}
